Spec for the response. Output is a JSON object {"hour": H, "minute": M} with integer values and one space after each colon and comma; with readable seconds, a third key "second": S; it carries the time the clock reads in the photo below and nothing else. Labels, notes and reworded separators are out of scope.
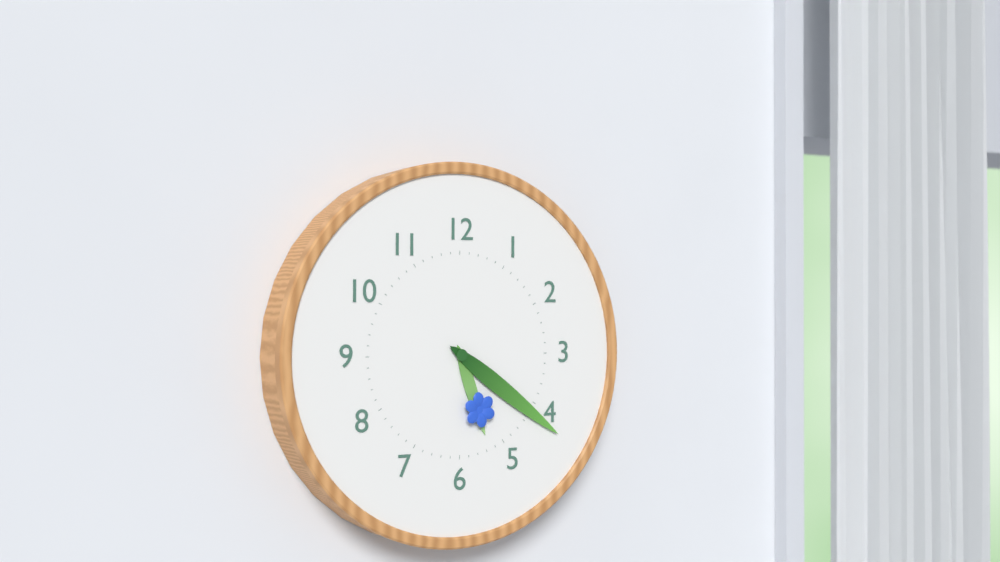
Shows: {"hour": 5, "minute": 21}
